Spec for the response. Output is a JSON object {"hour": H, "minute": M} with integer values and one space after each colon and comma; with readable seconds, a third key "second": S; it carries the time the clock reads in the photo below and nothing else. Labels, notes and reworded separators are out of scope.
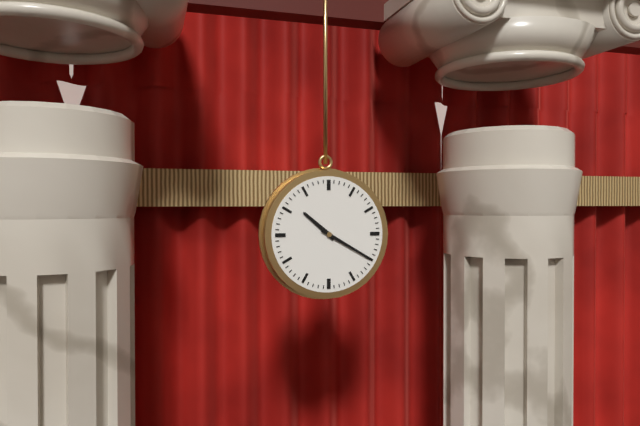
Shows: {"hour": 10, "minute": 20}
